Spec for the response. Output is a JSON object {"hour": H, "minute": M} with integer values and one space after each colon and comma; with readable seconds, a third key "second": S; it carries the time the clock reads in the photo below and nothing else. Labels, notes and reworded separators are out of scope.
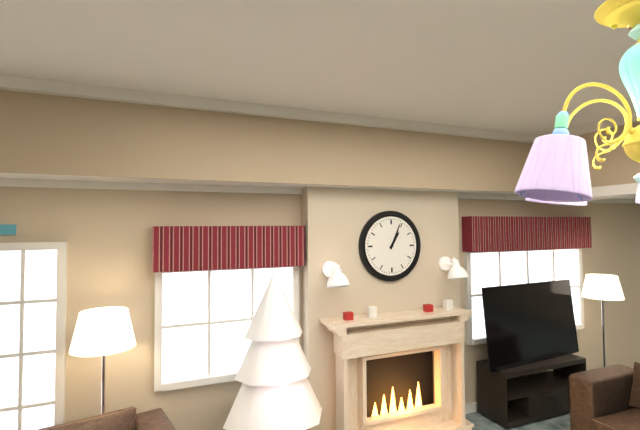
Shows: {"hour": 1, "minute": 4}
